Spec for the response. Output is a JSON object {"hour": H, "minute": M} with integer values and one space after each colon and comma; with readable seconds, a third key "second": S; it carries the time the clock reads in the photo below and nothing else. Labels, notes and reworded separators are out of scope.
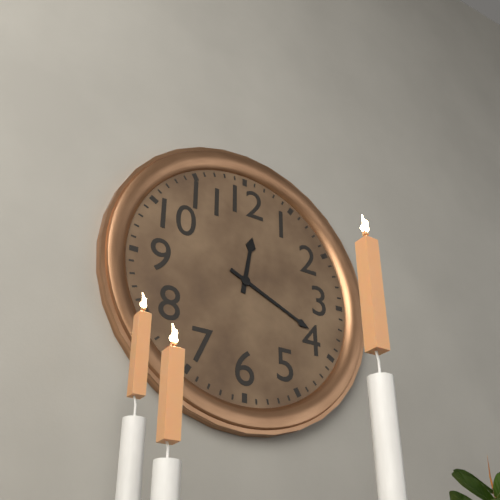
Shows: {"hour": 12, "minute": 19}
